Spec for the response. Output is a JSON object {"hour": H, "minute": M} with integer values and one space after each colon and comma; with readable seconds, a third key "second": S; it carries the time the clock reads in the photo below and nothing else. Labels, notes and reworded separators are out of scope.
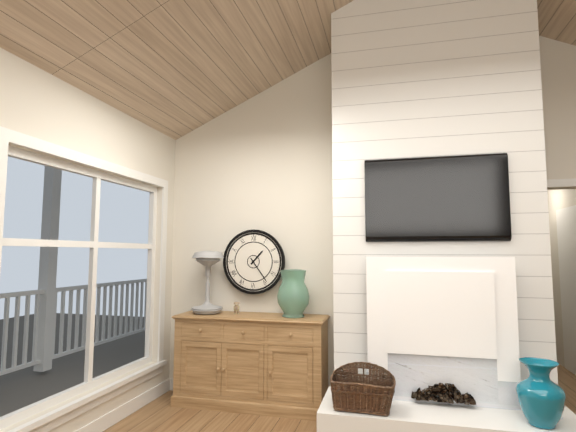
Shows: {"hour": 1, "minute": 24}
